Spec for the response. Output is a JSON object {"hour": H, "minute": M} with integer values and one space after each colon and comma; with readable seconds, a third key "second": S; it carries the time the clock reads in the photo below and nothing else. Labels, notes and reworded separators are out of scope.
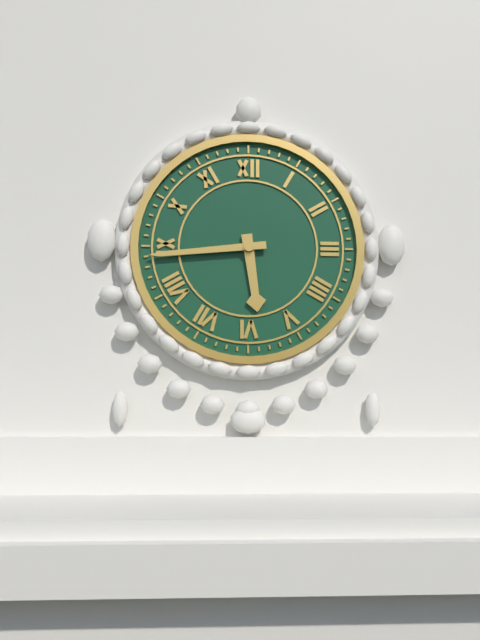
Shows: {"hour": 5, "minute": 44}
